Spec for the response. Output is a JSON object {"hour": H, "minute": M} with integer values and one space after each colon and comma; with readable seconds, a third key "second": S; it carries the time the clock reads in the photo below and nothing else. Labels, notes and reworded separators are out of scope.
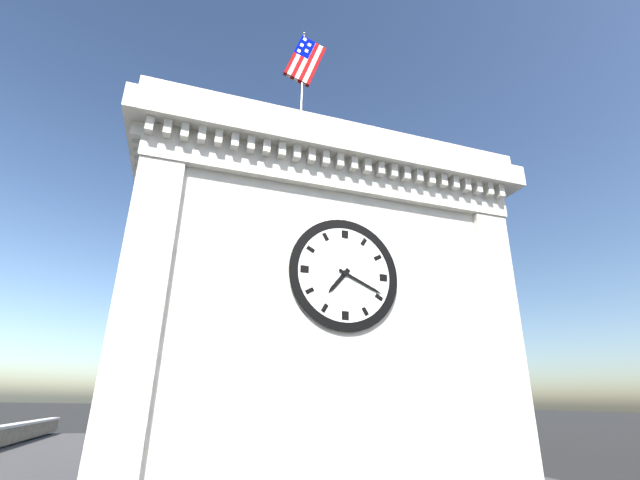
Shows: {"hour": 7, "minute": 19}
